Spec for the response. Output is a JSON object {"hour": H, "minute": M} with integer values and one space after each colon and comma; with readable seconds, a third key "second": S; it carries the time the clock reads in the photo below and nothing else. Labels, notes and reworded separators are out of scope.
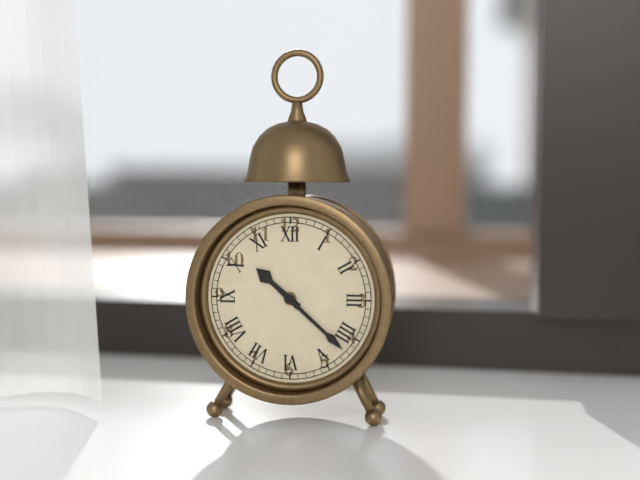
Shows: {"hour": 10, "minute": 22}
